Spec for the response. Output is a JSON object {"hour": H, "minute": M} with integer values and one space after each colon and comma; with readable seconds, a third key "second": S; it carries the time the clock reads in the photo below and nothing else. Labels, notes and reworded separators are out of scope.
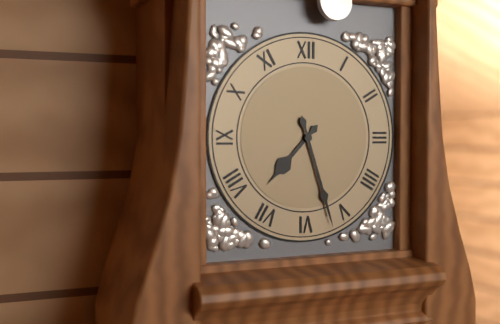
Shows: {"hour": 7, "minute": 27}
